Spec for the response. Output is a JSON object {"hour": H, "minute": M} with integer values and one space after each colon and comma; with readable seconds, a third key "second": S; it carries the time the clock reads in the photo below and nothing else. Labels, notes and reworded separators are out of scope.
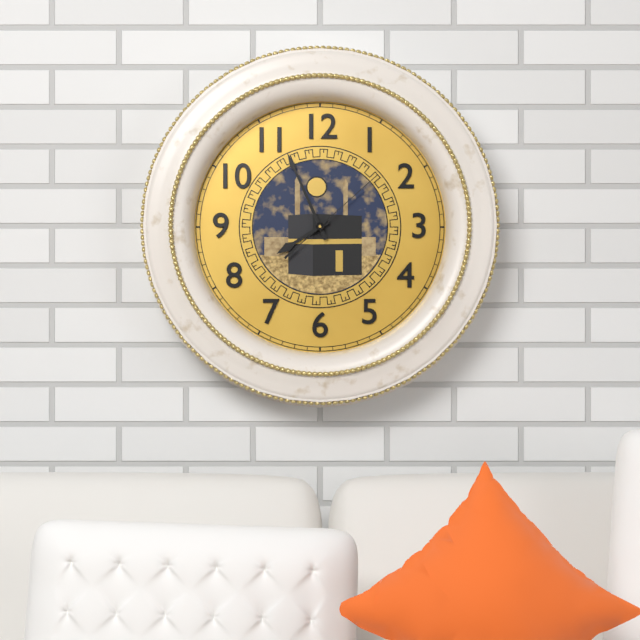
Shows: {"hour": 7, "minute": 56, "second": 8}
